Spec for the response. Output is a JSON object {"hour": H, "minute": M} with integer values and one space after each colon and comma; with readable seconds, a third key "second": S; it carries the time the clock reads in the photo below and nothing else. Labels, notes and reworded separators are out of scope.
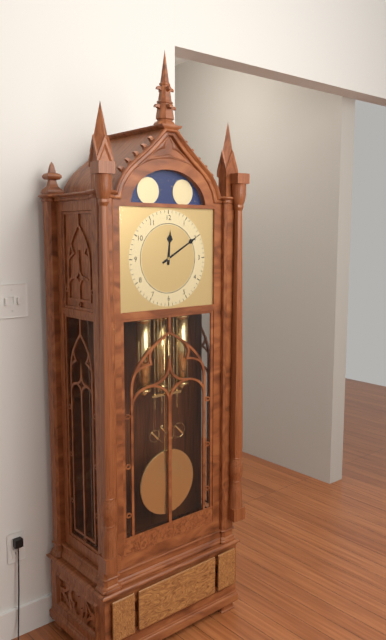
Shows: {"hour": 12, "minute": 10}
